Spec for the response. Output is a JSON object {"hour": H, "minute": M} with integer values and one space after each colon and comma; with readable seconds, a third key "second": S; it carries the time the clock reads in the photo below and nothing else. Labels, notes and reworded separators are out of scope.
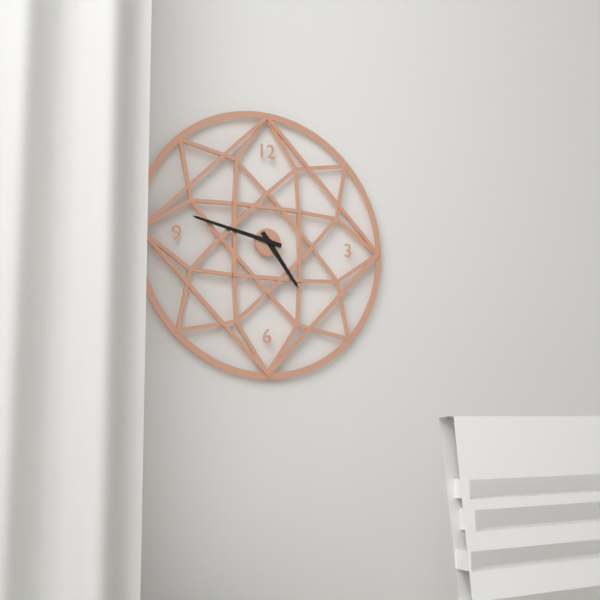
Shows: {"hour": 4, "minute": 47}
